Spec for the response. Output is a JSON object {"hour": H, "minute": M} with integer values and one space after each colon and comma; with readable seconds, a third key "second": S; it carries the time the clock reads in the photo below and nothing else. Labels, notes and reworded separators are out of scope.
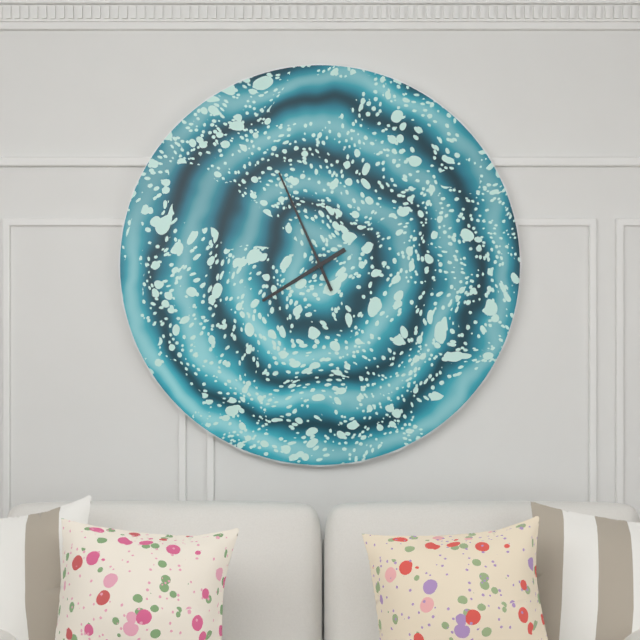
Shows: {"hour": 7, "minute": 56}
